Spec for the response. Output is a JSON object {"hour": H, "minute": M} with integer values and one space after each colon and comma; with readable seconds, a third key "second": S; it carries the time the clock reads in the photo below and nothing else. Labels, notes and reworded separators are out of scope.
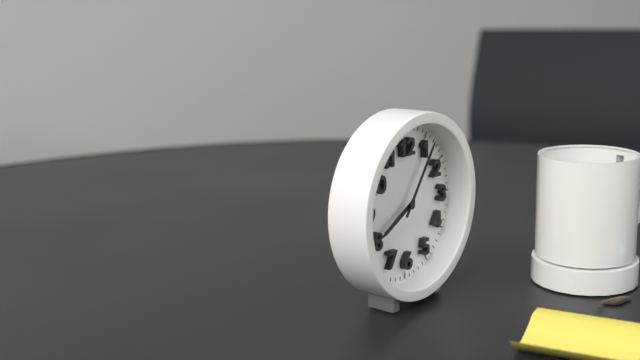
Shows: {"hour": 8, "minute": 6}
